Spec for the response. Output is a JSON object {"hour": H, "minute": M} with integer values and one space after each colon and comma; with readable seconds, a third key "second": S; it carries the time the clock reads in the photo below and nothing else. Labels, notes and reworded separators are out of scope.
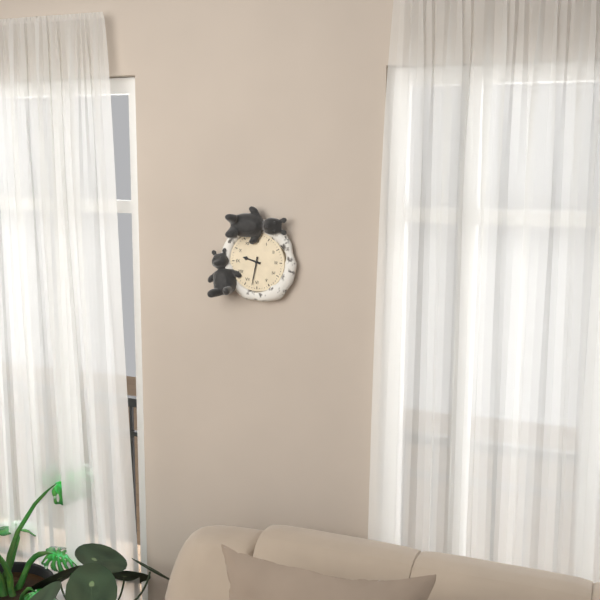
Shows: {"hour": 9, "minute": 32}
